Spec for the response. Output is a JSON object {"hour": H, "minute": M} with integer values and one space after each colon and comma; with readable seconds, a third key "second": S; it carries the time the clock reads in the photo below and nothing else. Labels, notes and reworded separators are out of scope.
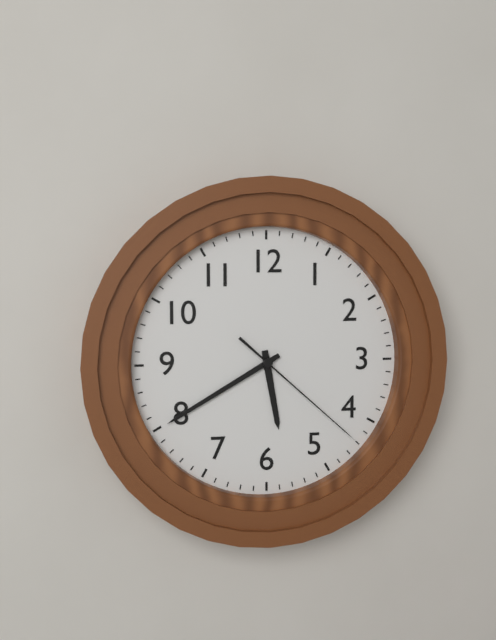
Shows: {"hour": 5, "minute": 40, "second": 22}
